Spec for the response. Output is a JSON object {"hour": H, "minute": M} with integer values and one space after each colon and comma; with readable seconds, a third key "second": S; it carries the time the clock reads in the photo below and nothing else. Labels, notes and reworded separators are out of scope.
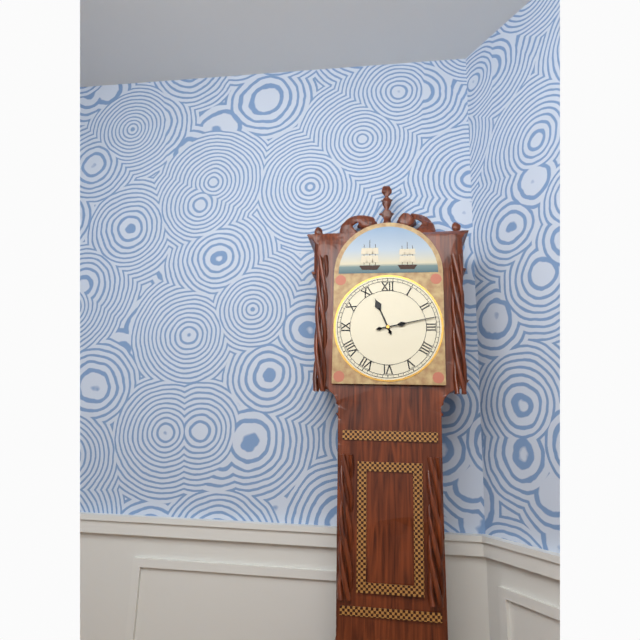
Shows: {"hour": 11, "minute": 13}
